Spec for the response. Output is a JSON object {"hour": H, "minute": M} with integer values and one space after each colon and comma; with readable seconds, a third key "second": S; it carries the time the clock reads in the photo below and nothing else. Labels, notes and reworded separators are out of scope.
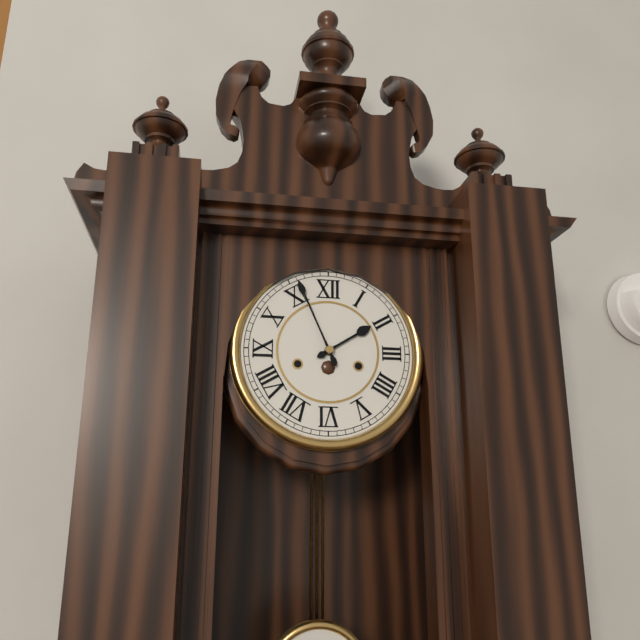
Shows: {"hour": 1, "minute": 56}
